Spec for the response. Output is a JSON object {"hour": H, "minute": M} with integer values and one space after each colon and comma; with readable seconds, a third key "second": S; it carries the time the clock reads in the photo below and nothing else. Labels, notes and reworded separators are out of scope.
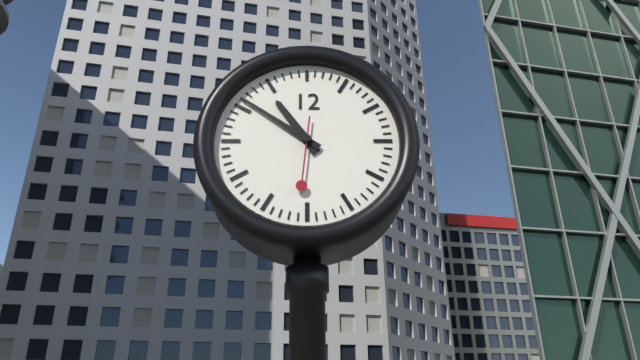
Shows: {"hour": 10, "minute": 51, "second": 31}
